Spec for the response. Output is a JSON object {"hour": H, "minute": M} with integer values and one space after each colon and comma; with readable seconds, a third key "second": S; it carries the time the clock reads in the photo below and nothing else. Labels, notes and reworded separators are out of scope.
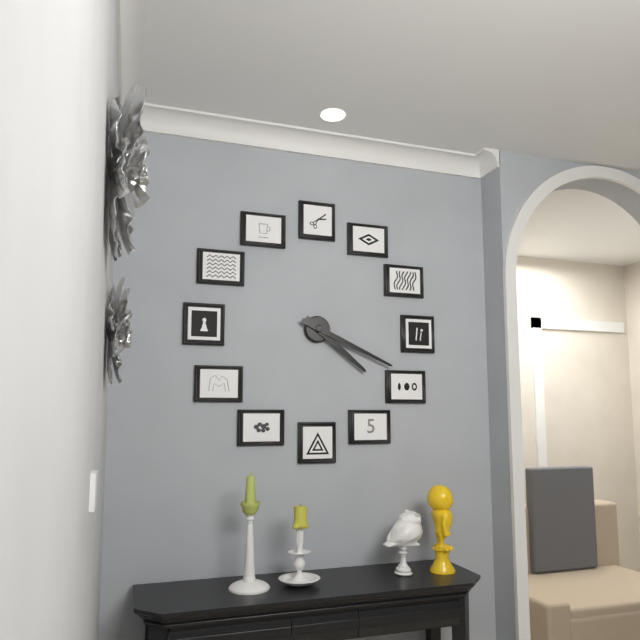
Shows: {"hour": 4, "minute": 19}
